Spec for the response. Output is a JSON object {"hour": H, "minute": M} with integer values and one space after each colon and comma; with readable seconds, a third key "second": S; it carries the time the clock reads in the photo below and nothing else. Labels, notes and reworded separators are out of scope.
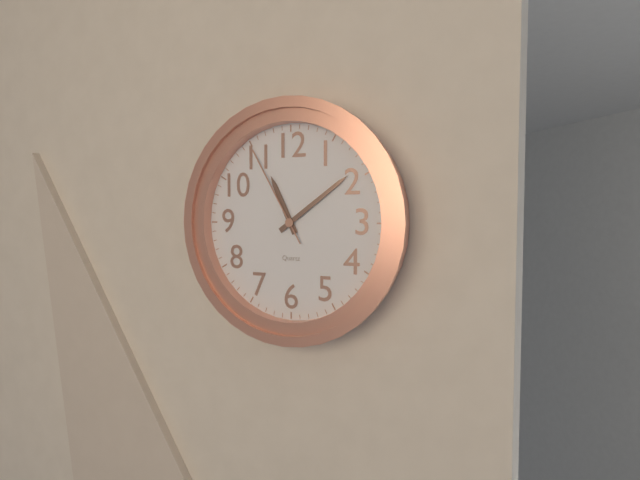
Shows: {"hour": 11, "minute": 9, "second": 55}
